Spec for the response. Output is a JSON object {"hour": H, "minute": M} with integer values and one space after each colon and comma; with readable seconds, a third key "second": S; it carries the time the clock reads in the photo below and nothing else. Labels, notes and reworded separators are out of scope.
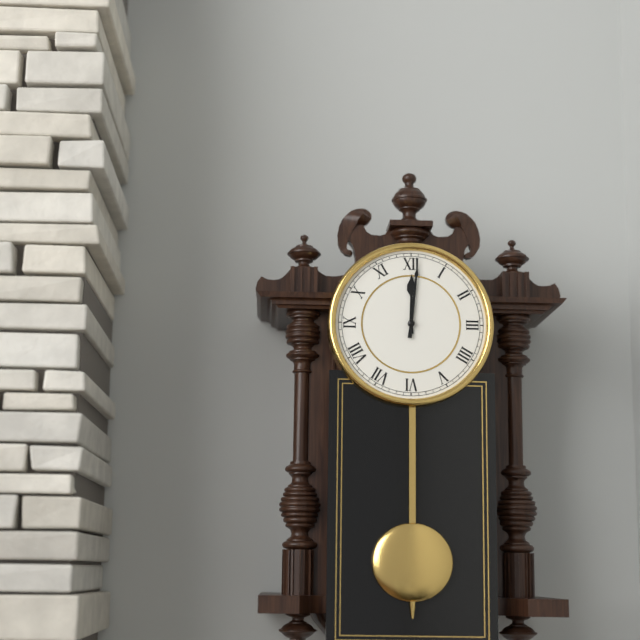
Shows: {"hour": 12, "minute": 1}
